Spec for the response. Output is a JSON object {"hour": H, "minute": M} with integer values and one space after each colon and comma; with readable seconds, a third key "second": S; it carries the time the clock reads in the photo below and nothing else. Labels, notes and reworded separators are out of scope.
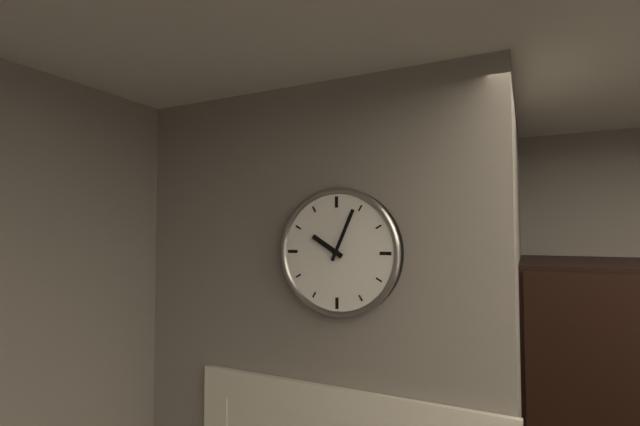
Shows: {"hour": 10, "minute": 4}
